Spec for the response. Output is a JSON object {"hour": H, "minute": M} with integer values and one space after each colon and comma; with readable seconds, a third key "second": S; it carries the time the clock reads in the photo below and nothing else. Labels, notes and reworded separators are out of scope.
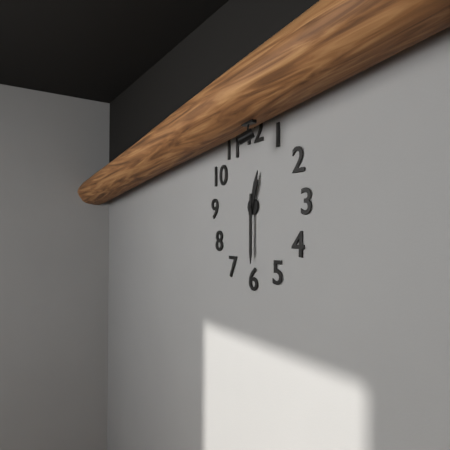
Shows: {"hour": 12, "minute": 30}
